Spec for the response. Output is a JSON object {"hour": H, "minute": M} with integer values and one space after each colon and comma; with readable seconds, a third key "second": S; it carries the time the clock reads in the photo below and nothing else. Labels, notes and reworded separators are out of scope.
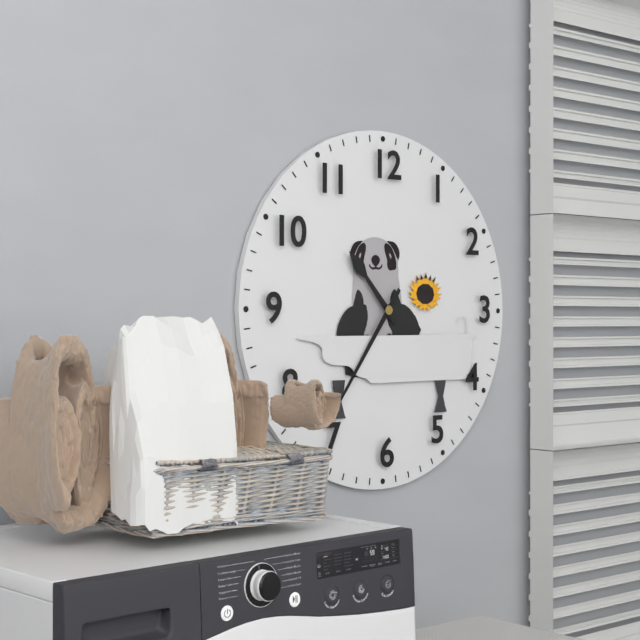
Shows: {"hour": 10, "minute": 36}
